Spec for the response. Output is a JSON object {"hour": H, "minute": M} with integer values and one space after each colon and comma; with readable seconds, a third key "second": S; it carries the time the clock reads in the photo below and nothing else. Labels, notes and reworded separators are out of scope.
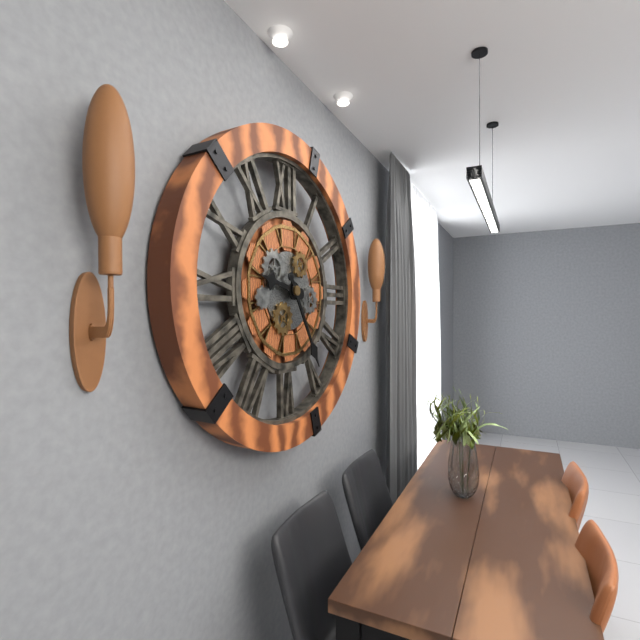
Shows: {"hour": 9, "minute": 25}
